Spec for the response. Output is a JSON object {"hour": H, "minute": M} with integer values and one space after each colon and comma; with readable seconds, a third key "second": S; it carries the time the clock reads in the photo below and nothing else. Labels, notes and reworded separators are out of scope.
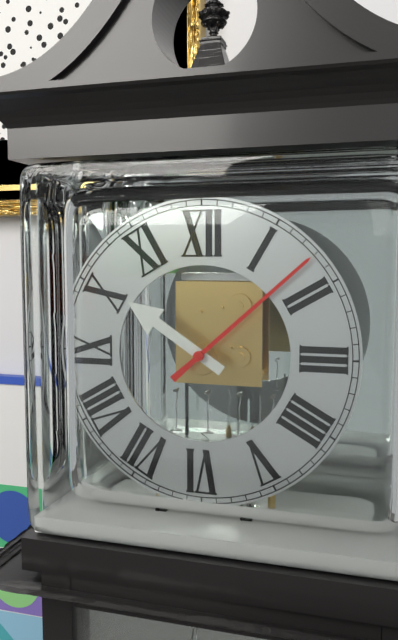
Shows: {"hour": 10, "minute": 8}
